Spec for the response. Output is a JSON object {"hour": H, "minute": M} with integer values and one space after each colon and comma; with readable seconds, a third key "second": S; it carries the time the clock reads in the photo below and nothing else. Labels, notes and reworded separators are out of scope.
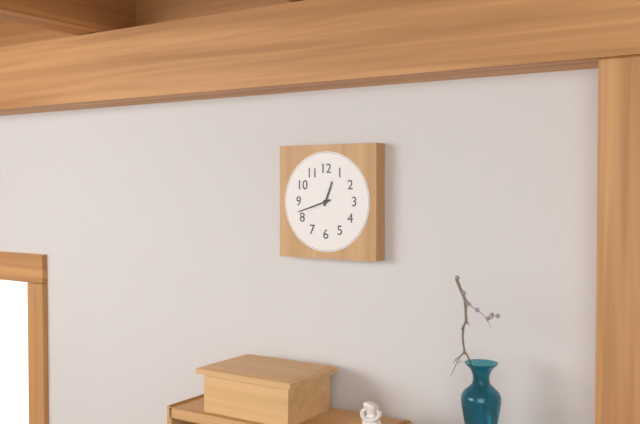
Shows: {"hour": 12, "minute": 42}
